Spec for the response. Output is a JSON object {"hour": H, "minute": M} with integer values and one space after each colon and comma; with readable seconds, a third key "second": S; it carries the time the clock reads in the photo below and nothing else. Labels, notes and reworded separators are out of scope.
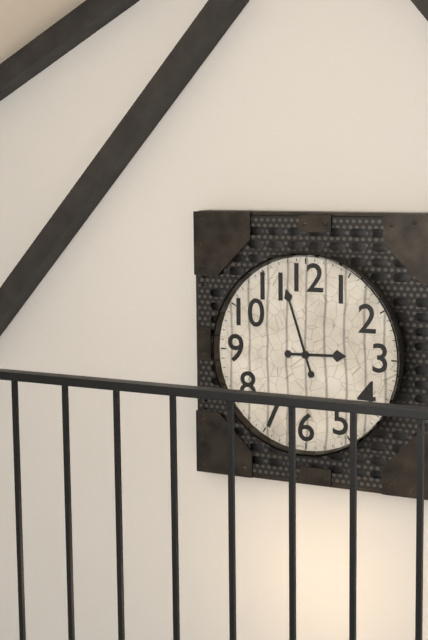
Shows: {"hour": 2, "minute": 57}
